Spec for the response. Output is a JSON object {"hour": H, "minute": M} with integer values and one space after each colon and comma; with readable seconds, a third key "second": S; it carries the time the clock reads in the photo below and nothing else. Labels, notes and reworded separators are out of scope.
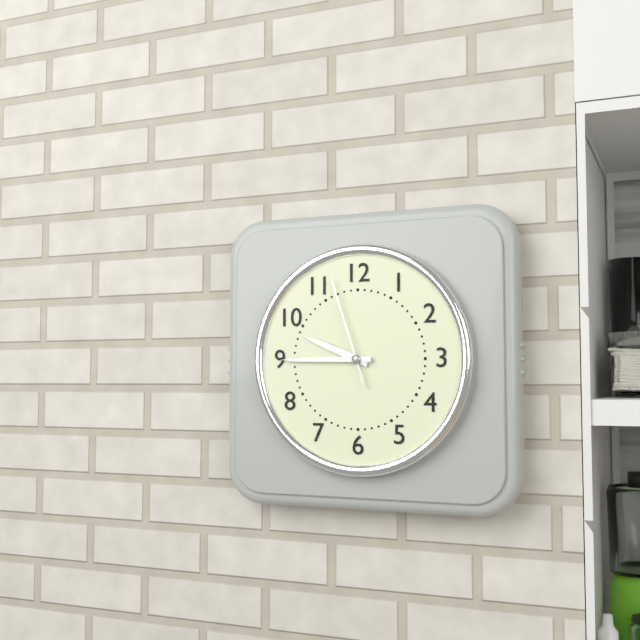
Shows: {"hour": 9, "minute": 45, "second": 57}
